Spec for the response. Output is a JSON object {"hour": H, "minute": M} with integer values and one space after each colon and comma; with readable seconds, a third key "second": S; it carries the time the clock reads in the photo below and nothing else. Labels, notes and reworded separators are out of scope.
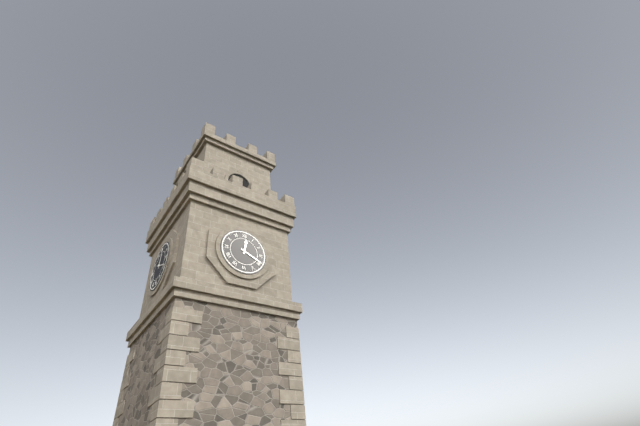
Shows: {"hour": 12, "minute": 19}
